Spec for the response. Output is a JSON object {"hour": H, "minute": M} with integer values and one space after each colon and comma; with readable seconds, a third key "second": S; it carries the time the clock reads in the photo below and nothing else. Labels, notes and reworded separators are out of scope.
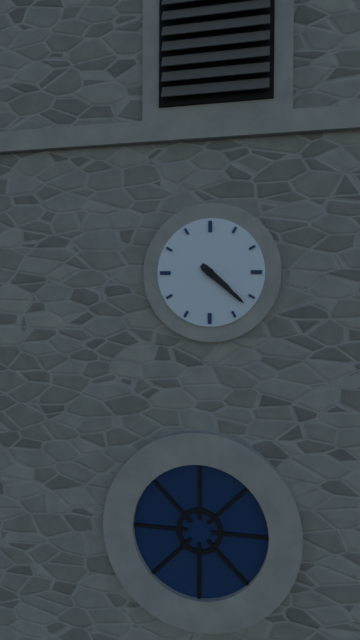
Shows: {"hour": 4, "minute": 22}
